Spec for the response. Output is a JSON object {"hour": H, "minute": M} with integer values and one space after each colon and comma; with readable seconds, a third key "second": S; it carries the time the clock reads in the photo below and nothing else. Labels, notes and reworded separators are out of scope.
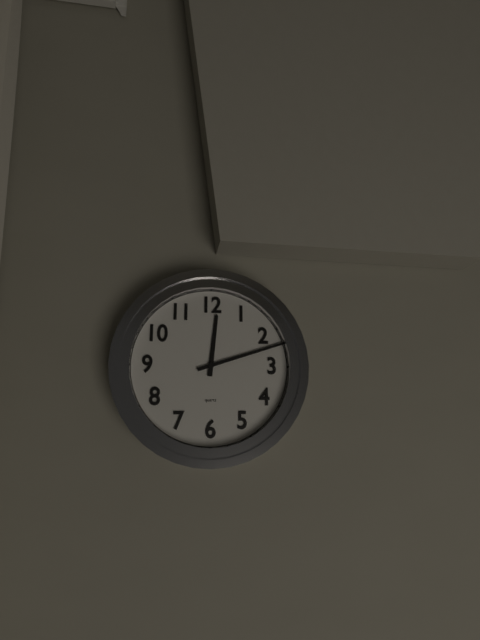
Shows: {"hour": 12, "minute": 12}
